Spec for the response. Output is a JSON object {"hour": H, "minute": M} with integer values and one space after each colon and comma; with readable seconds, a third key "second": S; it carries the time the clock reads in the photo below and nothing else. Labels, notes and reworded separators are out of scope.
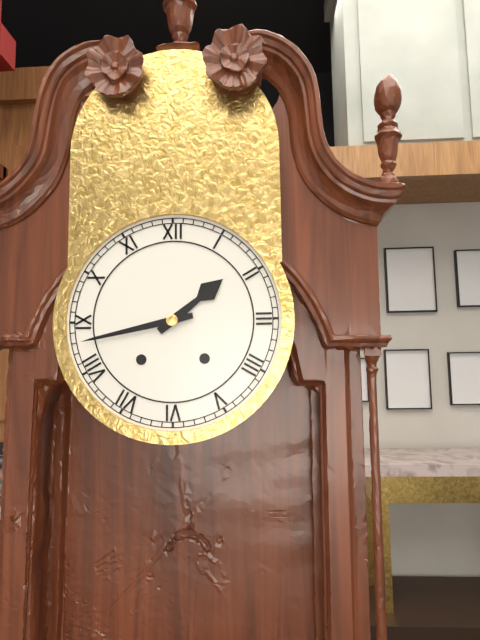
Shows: {"hour": 1, "minute": 43}
